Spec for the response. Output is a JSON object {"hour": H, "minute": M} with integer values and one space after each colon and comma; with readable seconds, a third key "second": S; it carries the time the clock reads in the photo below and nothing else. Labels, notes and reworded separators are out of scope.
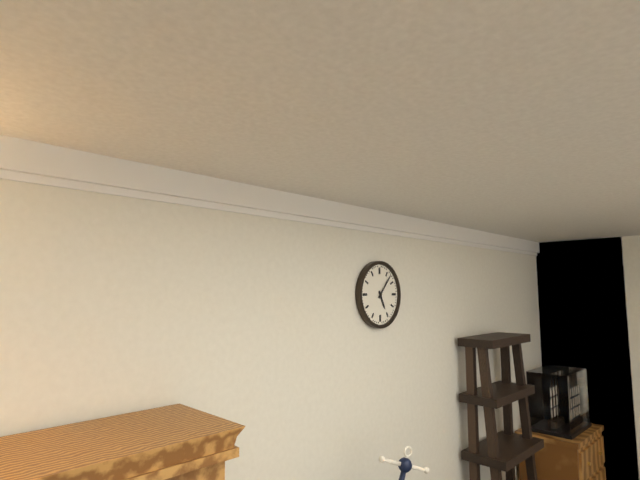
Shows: {"hour": 5, "minute": 7}
